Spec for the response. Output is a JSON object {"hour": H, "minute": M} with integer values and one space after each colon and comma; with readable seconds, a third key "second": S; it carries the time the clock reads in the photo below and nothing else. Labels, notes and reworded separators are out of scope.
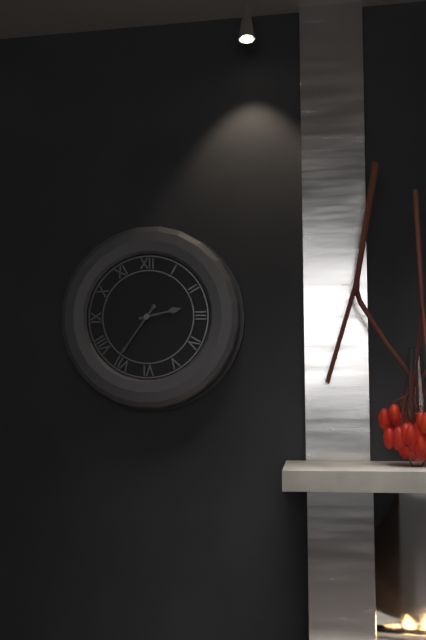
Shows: {"hour": 2, "minute": 36}
